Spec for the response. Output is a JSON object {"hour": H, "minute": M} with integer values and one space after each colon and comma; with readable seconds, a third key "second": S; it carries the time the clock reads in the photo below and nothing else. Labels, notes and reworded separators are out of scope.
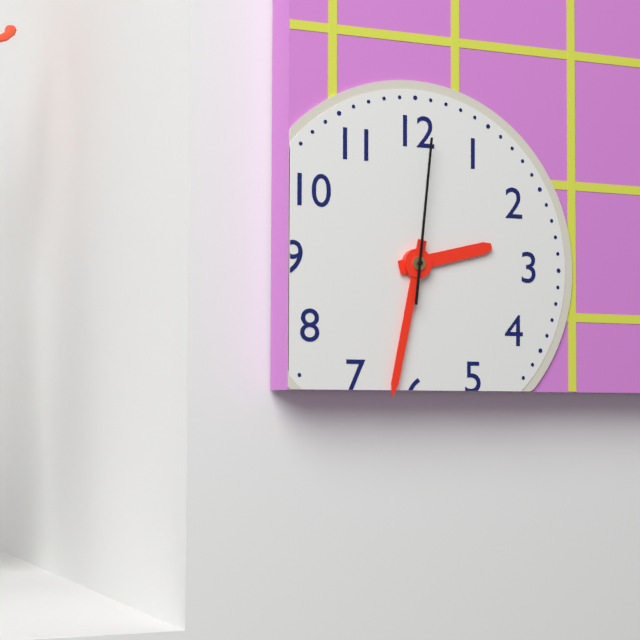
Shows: {"hour": 2, "minute": 32, "second": 1}
